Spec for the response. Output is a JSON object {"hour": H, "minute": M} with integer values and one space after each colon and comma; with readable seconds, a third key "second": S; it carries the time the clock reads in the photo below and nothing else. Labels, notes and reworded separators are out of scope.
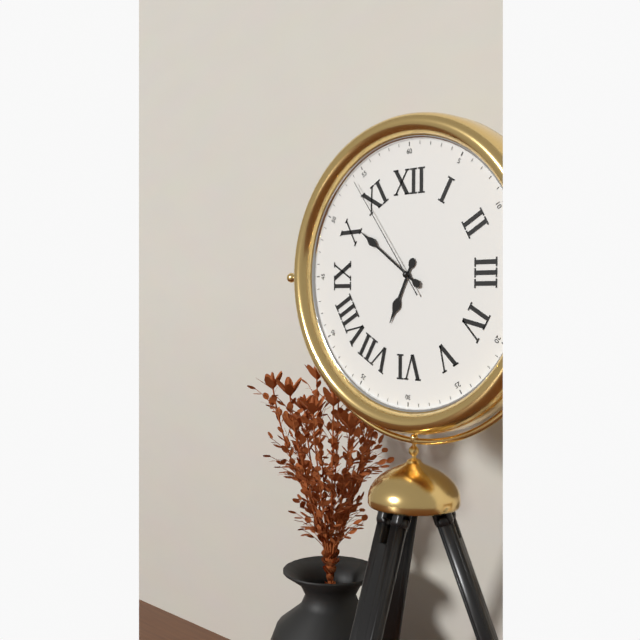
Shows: {"hour": 6, "minute": 51, "second": 54}
